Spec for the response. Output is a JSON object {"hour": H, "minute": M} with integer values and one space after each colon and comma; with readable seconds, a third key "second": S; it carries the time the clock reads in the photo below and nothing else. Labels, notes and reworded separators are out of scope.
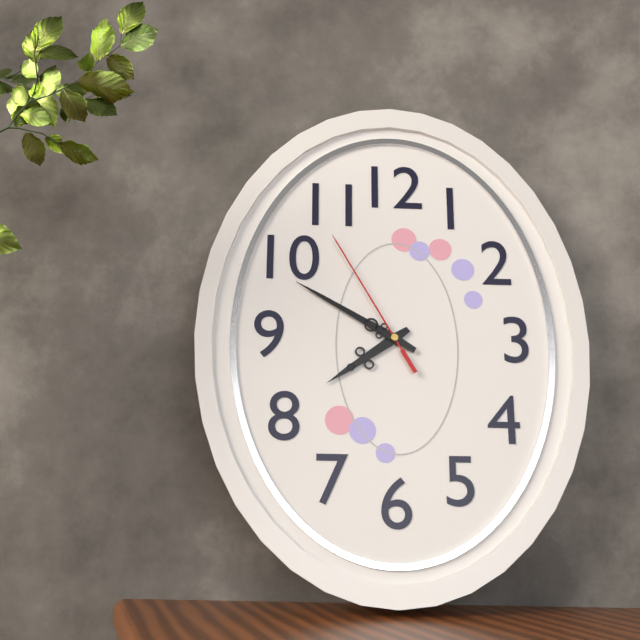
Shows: {"hour": 7, "minute": 50, "second": 55}
